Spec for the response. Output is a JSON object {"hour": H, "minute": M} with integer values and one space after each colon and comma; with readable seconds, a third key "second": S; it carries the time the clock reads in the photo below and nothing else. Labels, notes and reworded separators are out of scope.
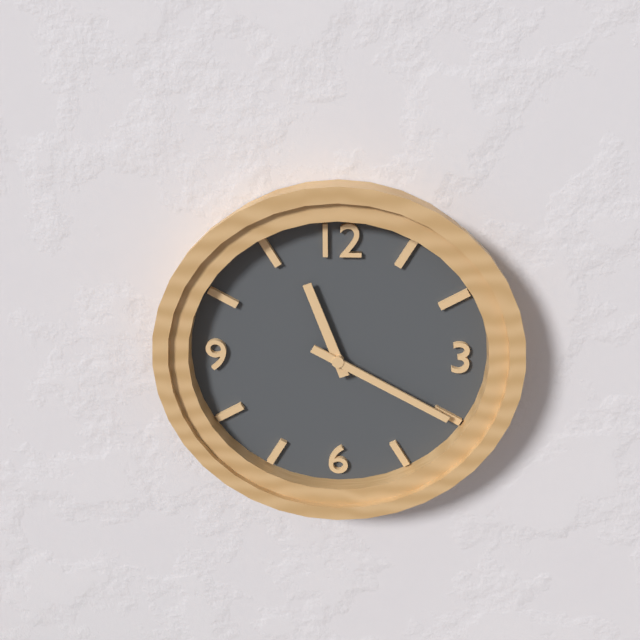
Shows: {"hour": 11, "minute": 20}
